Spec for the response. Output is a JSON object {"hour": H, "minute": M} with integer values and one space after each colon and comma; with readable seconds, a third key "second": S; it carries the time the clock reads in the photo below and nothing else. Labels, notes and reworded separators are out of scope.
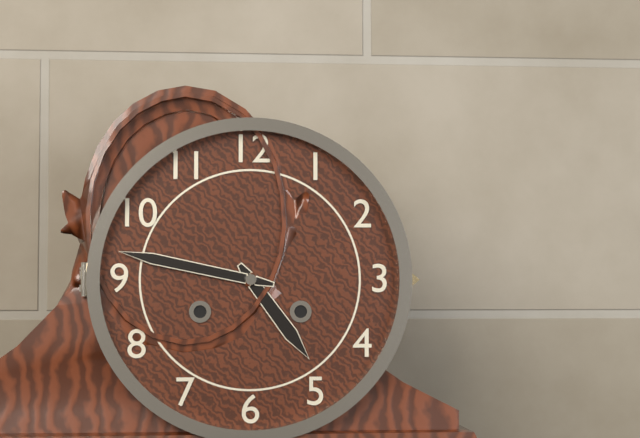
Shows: {"hour": 4, "minute": 47}
